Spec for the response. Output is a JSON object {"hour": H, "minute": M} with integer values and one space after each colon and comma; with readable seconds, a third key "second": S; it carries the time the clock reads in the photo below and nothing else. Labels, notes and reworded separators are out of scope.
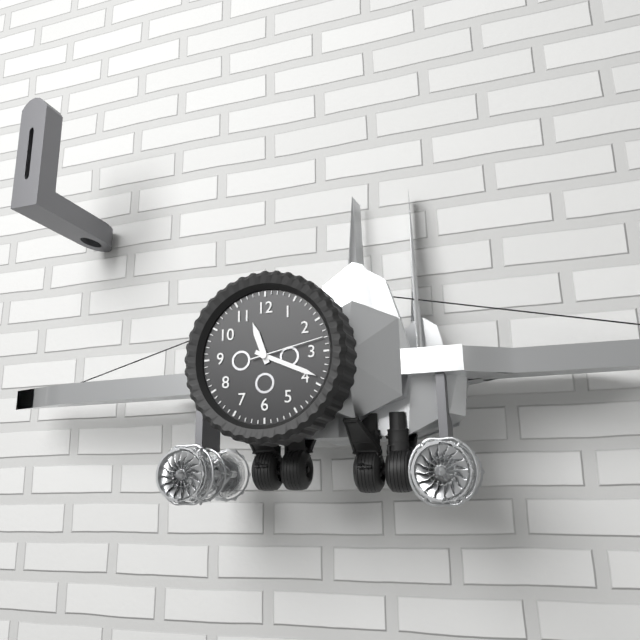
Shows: {"hour": 11, "minute": 19, "second": 13}
